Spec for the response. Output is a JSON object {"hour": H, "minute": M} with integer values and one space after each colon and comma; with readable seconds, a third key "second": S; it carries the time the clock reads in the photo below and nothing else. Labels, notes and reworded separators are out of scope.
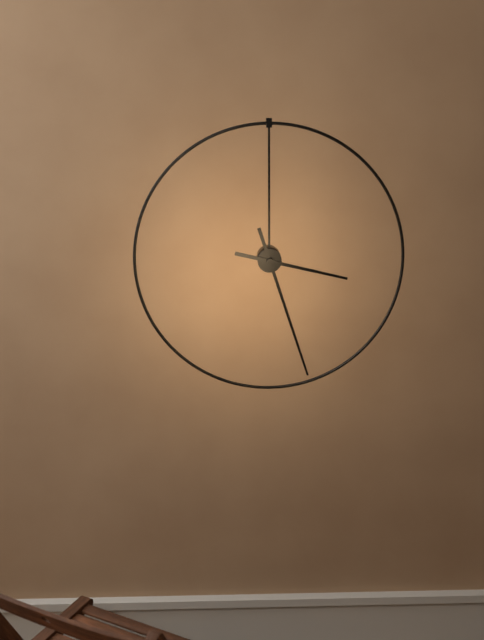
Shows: {"hour": 3, "minute": 27}
